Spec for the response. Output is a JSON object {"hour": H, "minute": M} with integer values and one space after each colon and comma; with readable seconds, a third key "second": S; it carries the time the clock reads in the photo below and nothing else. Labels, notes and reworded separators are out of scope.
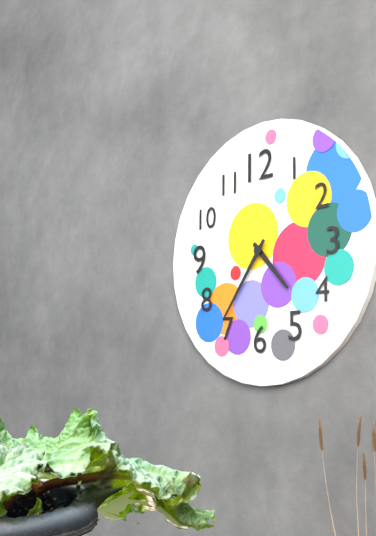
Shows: {"hour": 4, "minute": 36}
